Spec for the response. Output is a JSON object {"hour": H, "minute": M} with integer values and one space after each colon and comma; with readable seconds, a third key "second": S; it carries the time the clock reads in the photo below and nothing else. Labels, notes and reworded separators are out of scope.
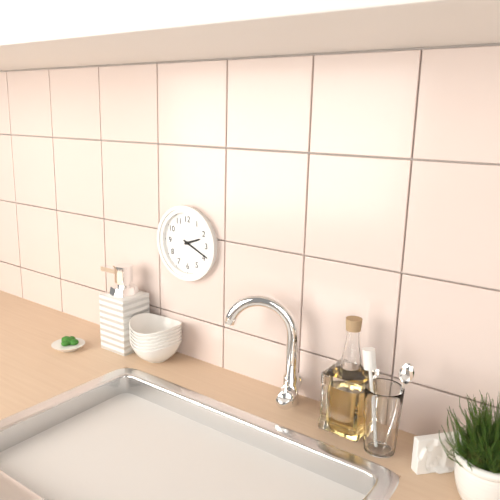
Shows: {"hour": 2, "minute": 19}
